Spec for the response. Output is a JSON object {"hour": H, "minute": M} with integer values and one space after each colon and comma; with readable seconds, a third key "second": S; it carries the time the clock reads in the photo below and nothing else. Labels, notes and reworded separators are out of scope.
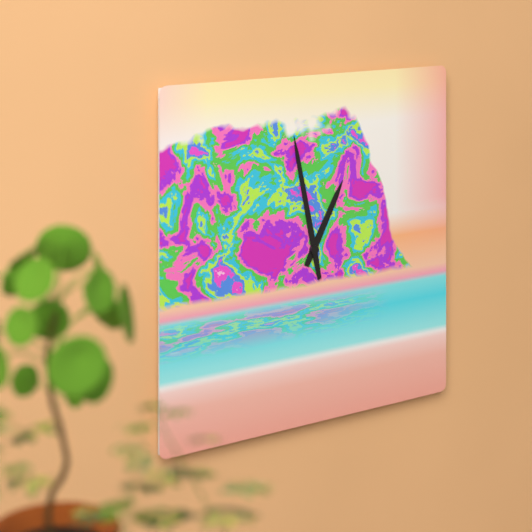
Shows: {"hour": 12, "minute": 58}
